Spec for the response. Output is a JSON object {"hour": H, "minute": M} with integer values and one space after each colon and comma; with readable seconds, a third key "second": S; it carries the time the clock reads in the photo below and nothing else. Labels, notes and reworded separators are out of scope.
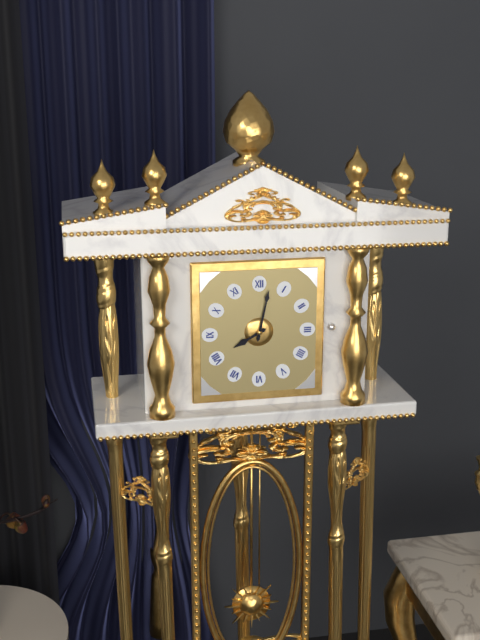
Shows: {"hour": 8, "minute": 2}
